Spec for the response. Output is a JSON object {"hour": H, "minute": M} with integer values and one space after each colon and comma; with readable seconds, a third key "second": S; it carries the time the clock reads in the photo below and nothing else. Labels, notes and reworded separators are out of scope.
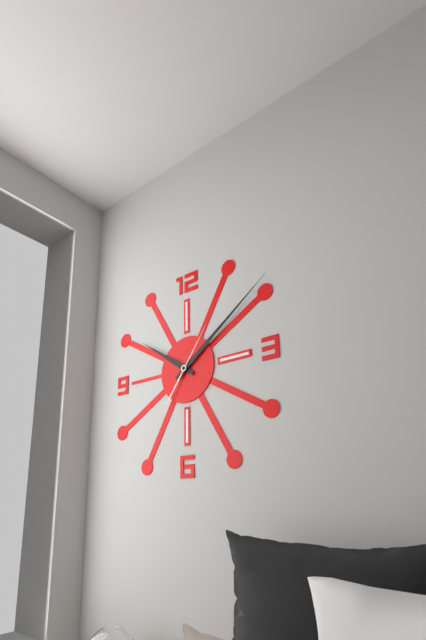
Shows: {"hour": 10, "minute": 9, "second": 6}
